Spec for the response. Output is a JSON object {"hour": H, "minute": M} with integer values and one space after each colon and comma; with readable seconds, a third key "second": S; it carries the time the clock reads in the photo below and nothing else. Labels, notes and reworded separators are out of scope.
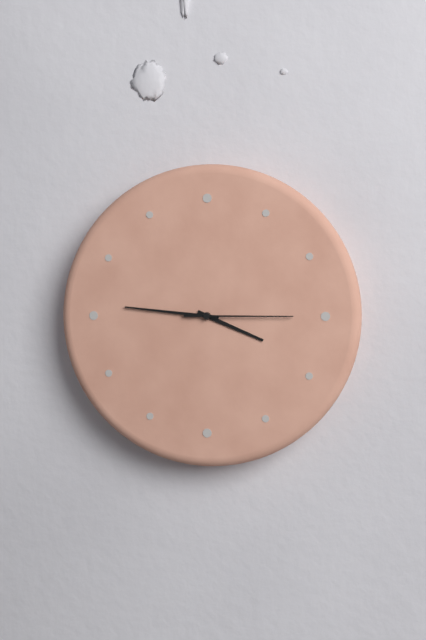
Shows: {"hour": 3, "minute": 46, "second": 15}
